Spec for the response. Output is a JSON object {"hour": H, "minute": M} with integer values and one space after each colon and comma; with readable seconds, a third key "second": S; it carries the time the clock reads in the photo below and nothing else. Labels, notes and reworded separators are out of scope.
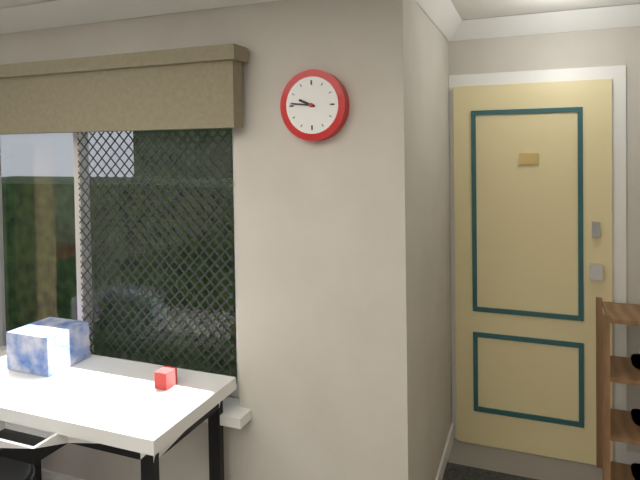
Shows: {"hour": 9, "minute": 46}
